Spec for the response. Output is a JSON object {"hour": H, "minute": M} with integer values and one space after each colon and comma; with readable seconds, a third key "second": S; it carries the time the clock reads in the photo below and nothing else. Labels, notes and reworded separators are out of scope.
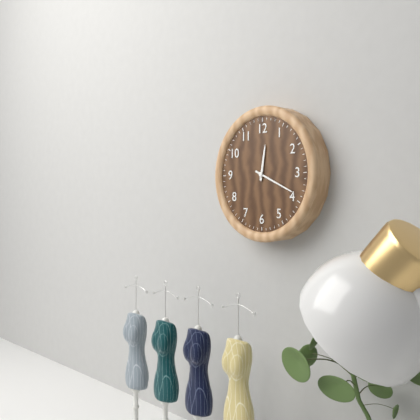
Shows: {"hour": 12, "minute": 19}
